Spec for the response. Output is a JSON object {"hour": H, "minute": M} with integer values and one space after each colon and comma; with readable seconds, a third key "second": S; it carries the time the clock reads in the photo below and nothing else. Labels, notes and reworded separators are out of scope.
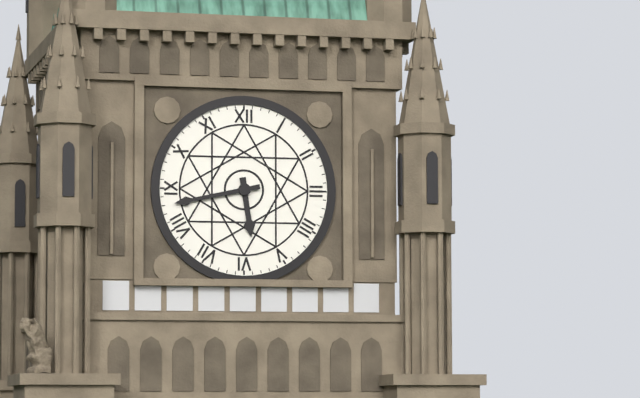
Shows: {"hour": 5, "minute": 43}
